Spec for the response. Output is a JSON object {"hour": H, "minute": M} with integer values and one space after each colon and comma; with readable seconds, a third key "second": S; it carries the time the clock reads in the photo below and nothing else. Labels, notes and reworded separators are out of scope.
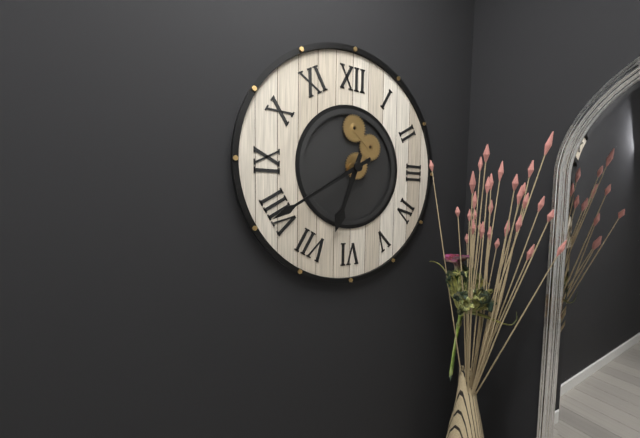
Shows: {"hour": 6, "minute": 40}
